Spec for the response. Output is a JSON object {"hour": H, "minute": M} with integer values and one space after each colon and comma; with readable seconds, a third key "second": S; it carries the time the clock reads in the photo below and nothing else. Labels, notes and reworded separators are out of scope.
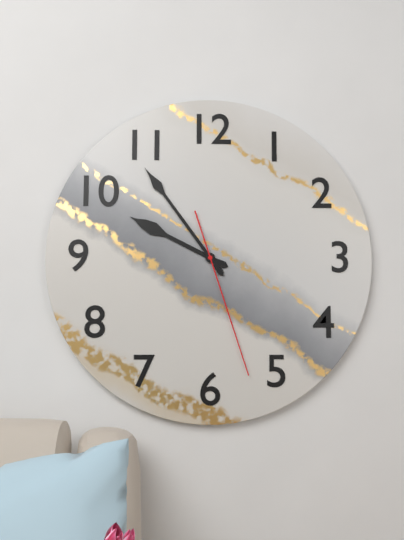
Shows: {"hour": 9, "minute": 54, "second": 27}
